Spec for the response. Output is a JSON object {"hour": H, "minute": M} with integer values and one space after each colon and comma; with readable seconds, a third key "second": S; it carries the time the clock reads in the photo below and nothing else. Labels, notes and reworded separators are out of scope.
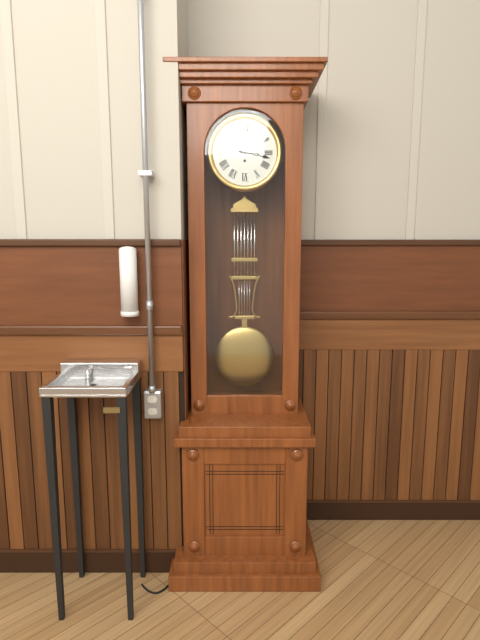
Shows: {"hour": 3, "minute": 17}
